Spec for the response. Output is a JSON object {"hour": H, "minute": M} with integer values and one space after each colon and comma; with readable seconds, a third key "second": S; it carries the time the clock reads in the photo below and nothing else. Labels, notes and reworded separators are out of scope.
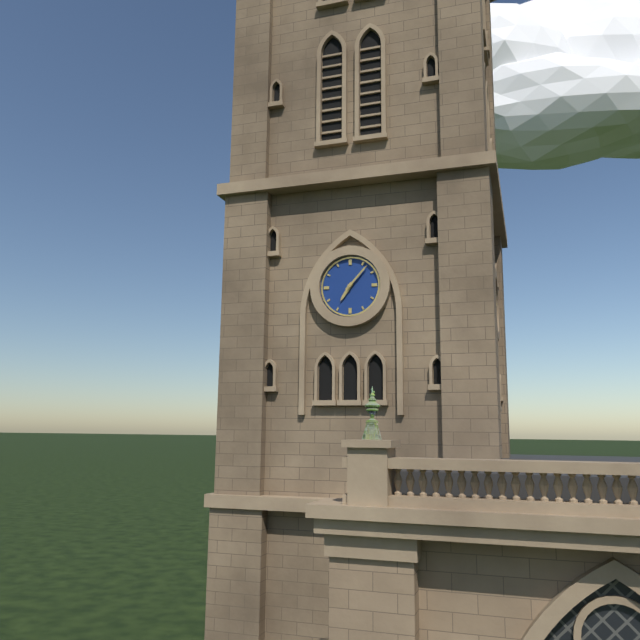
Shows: {"hour": 7, "minute": 7}
